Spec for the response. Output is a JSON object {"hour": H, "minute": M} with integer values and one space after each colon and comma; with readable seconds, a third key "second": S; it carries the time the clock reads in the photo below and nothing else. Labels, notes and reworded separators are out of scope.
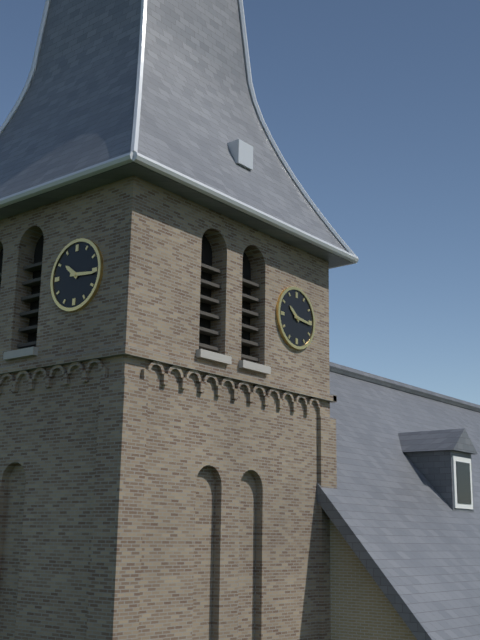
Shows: {"hour": 10, "minute": 16}
